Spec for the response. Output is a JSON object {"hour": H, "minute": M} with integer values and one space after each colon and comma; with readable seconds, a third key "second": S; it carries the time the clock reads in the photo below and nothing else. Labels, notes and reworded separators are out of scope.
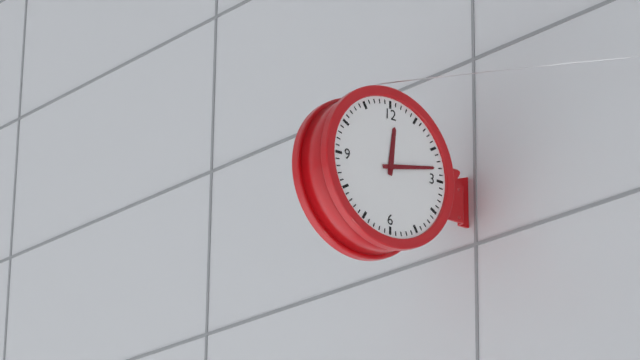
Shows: {"hour": 12, "minute": 13}
